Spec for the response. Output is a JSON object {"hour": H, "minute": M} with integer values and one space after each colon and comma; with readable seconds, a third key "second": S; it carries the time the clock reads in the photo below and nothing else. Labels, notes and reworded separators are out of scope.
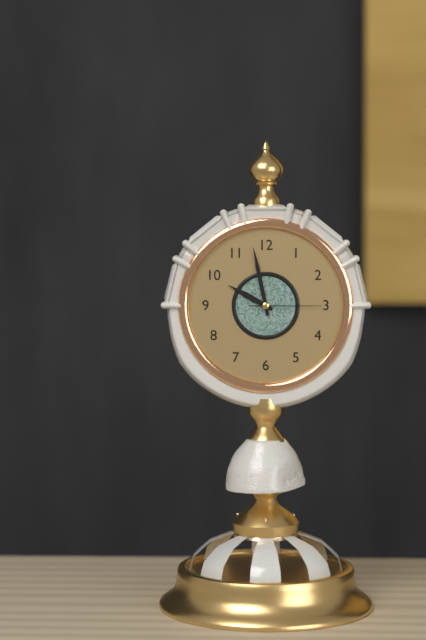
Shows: {"hour": 9, "minute": 58, "second": 15}
